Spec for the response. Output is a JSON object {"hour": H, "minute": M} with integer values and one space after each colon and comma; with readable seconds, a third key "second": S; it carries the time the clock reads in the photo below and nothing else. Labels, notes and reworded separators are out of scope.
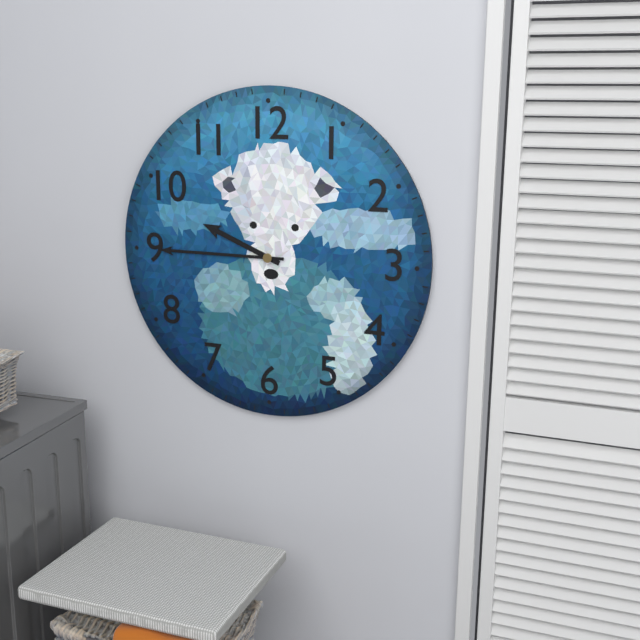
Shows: {"hour": 9, "minute": 45}
